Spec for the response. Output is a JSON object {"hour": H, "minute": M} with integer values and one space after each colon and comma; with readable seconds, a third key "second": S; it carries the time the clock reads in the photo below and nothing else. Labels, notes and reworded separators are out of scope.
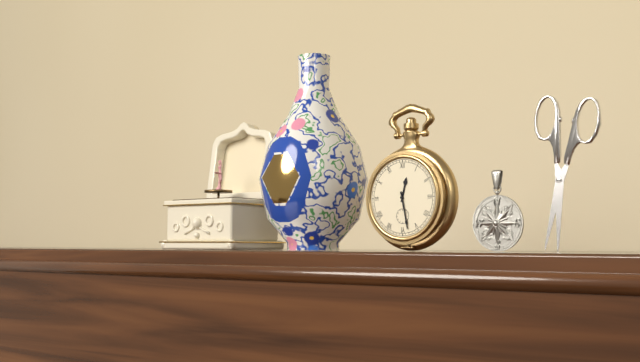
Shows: {"hour": 12, "minute": 28}
